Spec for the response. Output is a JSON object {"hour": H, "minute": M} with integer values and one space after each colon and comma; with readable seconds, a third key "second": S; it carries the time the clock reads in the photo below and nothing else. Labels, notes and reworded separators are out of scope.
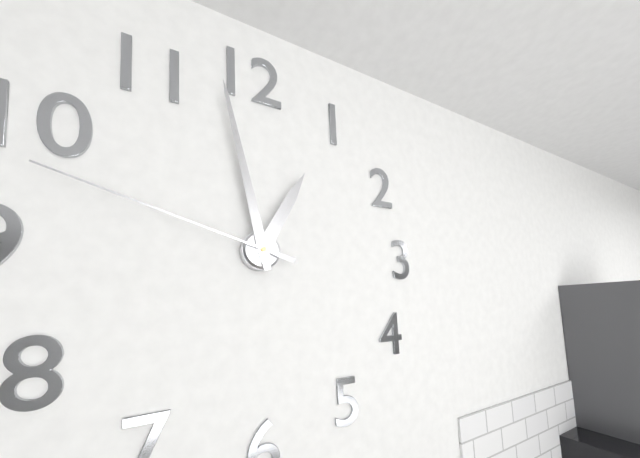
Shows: {"hour": 12, "minute": 58, "second": 48}
